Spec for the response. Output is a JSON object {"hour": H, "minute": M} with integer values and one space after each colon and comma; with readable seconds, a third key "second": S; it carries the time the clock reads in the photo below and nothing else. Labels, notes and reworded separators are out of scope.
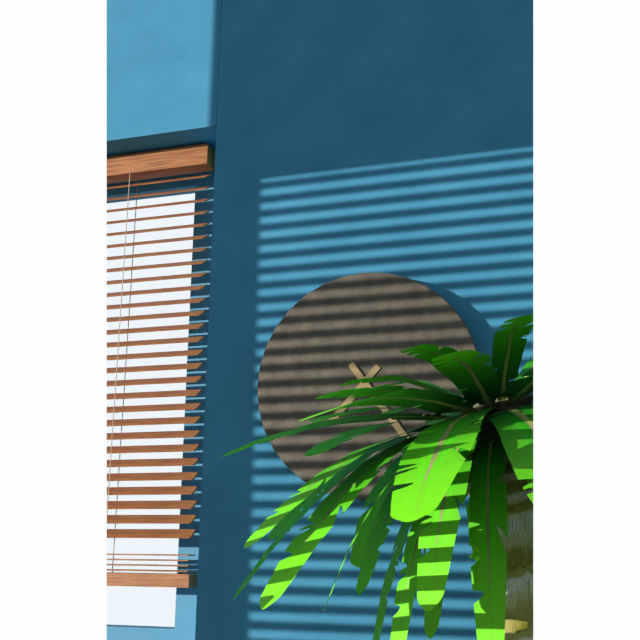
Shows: {"hour": 7, "minute": 24}
